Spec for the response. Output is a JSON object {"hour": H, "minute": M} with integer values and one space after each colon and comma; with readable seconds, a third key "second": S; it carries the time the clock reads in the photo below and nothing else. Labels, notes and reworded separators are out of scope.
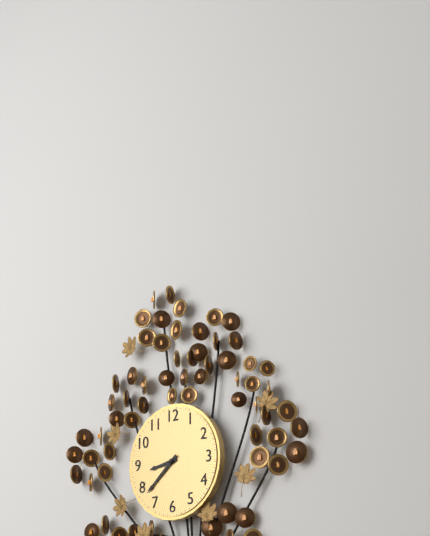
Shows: {"hour": 8, "minute": 38}
